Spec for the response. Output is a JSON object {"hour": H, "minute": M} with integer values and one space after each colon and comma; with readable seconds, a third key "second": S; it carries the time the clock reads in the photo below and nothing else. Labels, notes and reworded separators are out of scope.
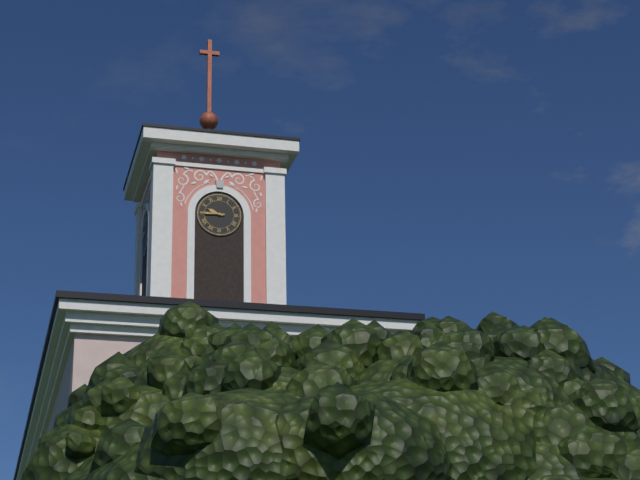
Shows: {"hour": 9, "minute": 45}
